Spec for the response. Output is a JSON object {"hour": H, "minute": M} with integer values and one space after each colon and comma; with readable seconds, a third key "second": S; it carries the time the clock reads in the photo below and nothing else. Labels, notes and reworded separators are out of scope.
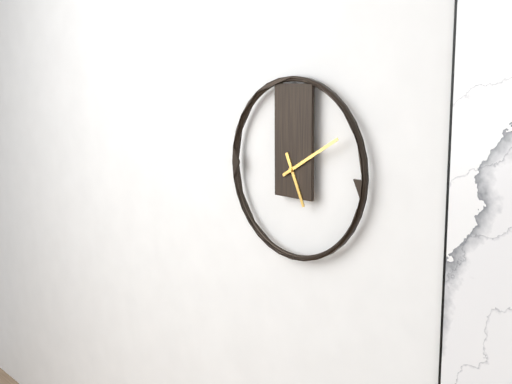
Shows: {"hour": 5, "minute": 10}
